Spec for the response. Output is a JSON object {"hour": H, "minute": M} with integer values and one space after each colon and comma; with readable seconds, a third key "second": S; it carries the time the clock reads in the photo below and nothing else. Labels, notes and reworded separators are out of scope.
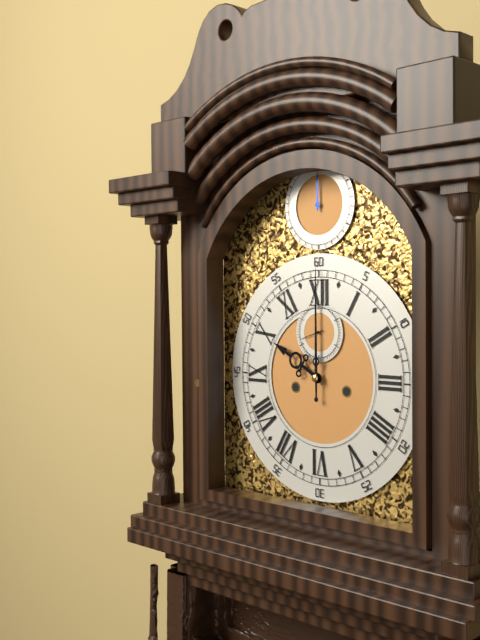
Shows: {"hour": 10, "minute": 0}
